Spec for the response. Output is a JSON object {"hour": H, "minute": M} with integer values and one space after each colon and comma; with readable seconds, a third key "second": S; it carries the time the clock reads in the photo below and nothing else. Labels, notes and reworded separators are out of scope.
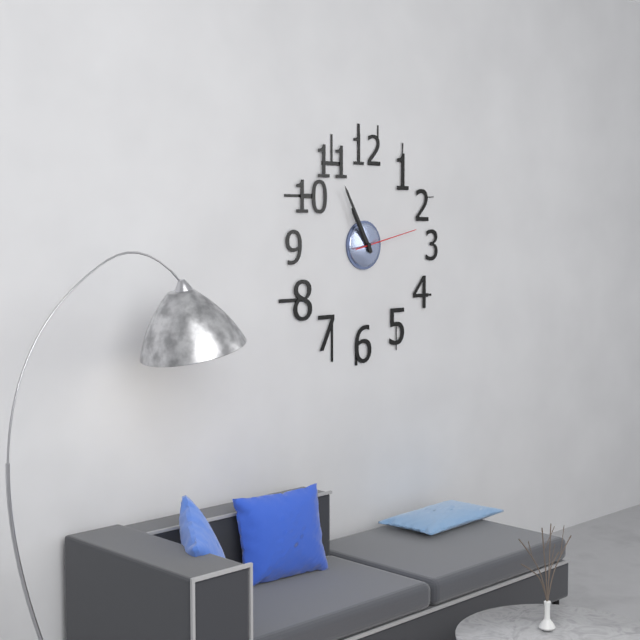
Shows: {"hour": 10, "minute": 55, "second": 13}
